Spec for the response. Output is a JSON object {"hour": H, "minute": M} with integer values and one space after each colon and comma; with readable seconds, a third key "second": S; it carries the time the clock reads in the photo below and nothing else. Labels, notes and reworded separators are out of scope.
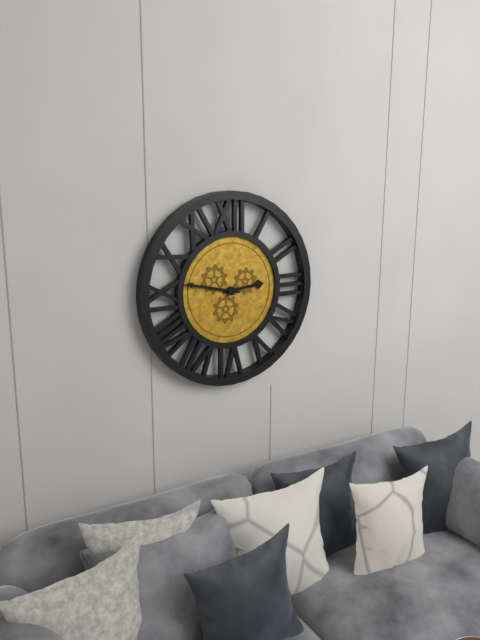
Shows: {"hour": 2, "minute": 47}
